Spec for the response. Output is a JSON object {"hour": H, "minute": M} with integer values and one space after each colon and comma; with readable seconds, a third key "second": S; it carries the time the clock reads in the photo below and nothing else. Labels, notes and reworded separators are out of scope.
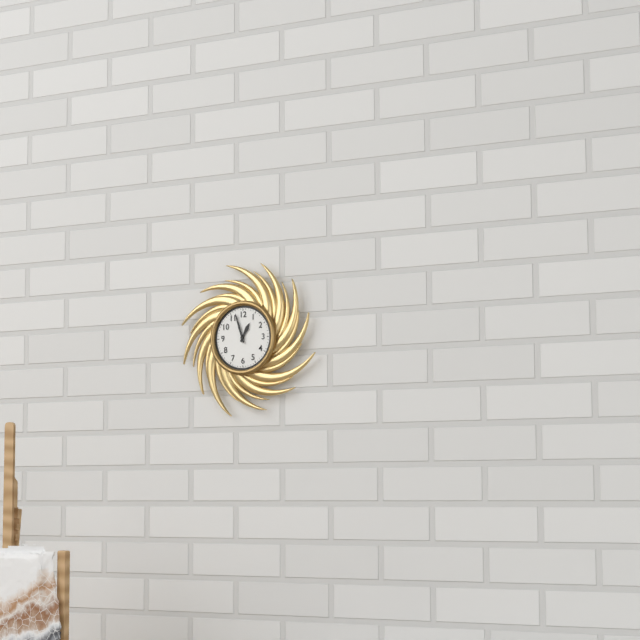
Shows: {"hour": 12, "minute": 57}
